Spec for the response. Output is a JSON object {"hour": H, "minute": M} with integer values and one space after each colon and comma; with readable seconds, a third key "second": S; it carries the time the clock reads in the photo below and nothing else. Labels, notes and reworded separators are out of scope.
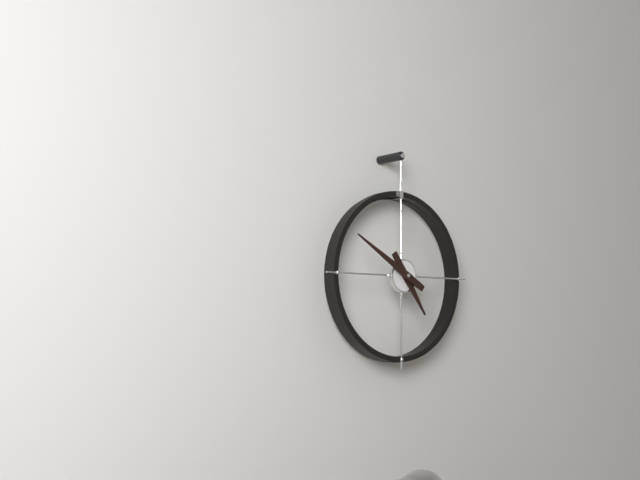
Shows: {"hour": 4, "minute": 50}
